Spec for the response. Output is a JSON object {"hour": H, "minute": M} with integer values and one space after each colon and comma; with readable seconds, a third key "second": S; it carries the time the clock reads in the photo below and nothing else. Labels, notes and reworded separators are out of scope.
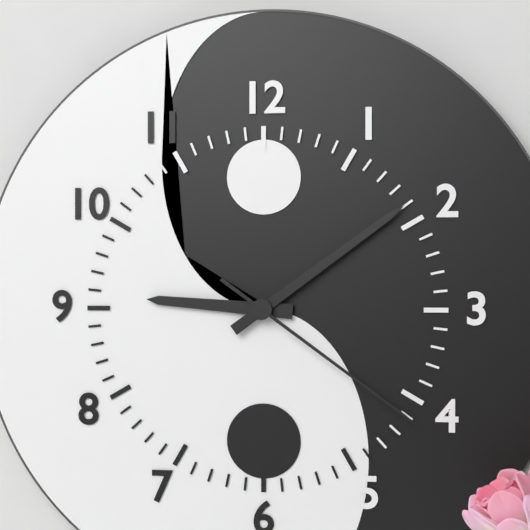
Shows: {"hour": 9, "minute": 9, "second": 21}
